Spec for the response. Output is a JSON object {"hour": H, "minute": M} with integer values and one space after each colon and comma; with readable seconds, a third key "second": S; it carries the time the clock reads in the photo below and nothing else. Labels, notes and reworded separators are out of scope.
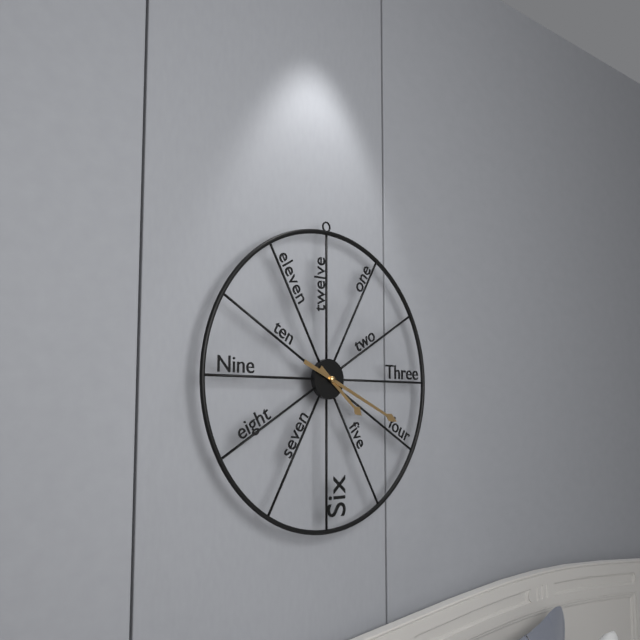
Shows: {"hour": 4, "minute": 19}
